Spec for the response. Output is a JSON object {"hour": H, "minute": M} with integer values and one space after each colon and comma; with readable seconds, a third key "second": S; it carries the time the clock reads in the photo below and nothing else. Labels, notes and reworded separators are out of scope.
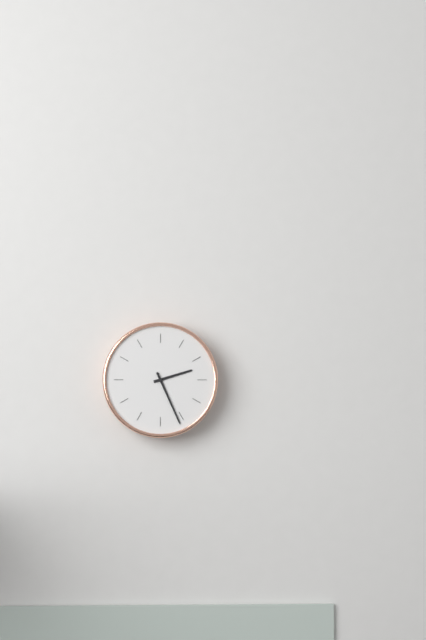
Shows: {"hour": 2, "minute": 26}
